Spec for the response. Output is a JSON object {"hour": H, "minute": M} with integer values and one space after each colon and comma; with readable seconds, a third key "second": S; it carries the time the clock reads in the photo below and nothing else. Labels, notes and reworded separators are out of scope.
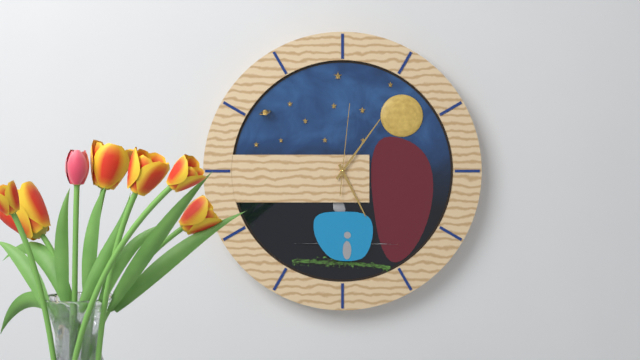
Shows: {"hour": 5, "minute": 6, "second": 1}
